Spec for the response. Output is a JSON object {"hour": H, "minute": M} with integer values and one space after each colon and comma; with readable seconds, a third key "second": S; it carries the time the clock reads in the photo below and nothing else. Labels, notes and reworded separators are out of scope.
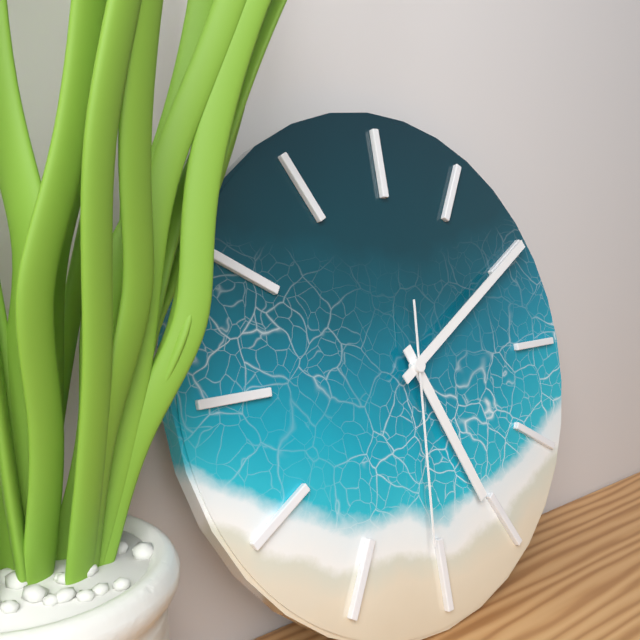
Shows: {"hour": 5, "minute": 10, "second": 31}
